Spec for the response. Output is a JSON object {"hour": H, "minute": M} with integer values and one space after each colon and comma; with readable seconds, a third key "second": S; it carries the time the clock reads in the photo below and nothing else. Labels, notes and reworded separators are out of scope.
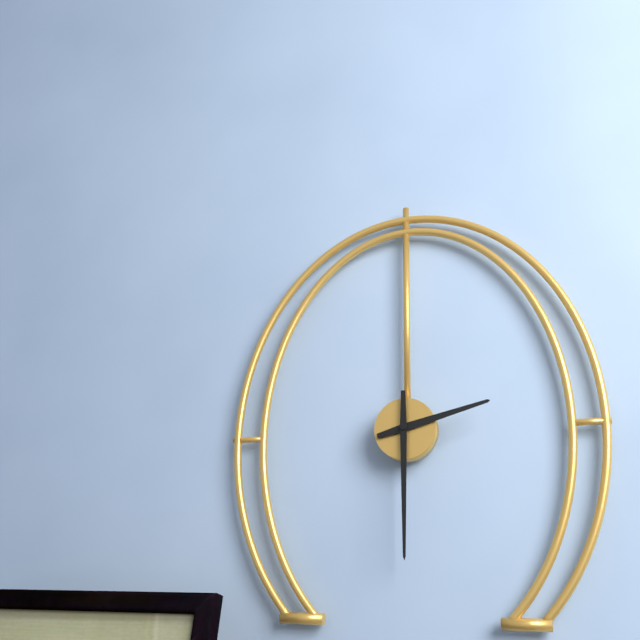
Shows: {"hour": 2, "minute": 30}
